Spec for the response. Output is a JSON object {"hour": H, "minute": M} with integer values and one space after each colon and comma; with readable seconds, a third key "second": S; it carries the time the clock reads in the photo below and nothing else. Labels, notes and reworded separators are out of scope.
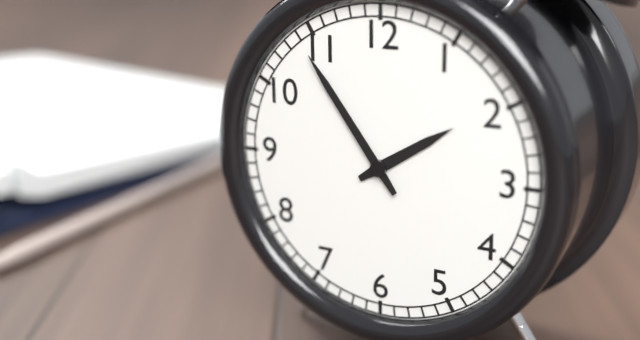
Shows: {"hour": 1, "minute": 54}
